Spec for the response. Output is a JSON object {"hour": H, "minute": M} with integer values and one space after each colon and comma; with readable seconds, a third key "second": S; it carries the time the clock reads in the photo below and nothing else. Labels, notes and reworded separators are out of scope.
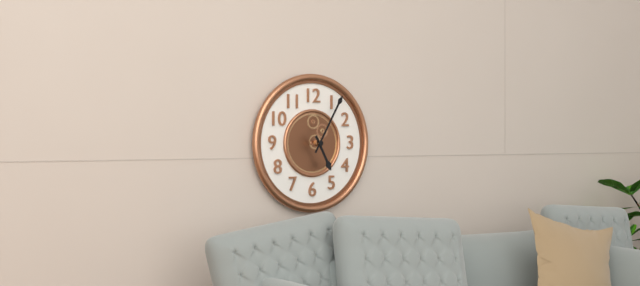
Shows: {"hour": 5, "minute": 5}
